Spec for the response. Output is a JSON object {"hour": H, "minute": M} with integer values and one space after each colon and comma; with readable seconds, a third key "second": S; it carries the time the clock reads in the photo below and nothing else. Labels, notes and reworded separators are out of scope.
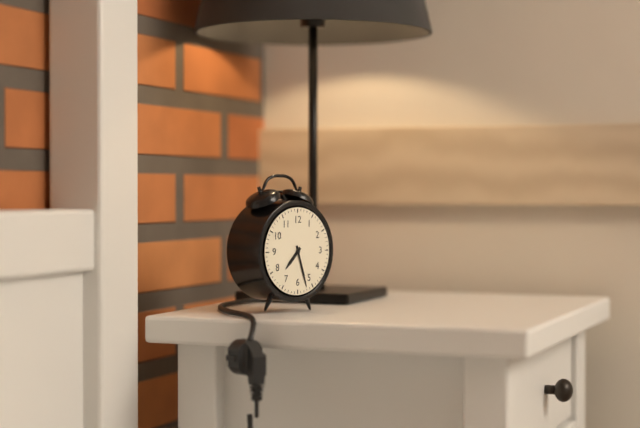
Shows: {"hour": 7, "minute": 27}
